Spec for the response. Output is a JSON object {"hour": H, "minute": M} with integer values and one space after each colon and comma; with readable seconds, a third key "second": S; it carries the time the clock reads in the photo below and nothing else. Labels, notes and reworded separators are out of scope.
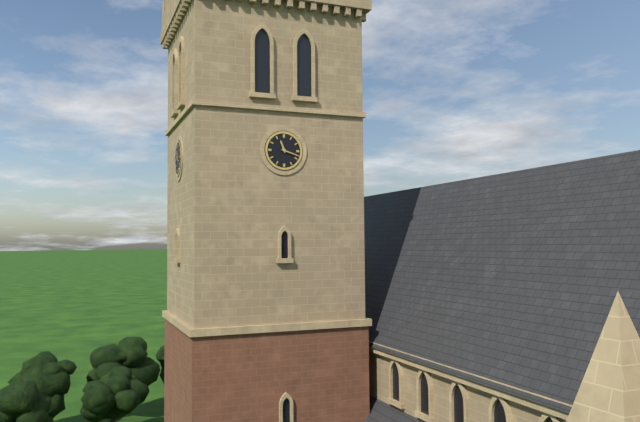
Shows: {"hour": 11, "minute": 18}
